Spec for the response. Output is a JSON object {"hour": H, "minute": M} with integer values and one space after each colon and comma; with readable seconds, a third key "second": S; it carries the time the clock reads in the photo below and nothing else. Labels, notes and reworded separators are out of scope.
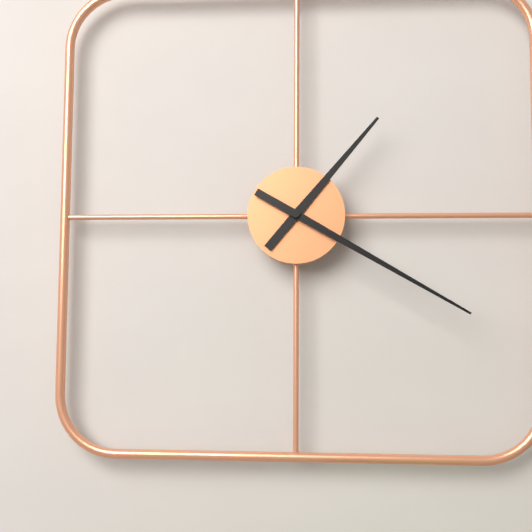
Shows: {"hour": 1, "minute": 20}
